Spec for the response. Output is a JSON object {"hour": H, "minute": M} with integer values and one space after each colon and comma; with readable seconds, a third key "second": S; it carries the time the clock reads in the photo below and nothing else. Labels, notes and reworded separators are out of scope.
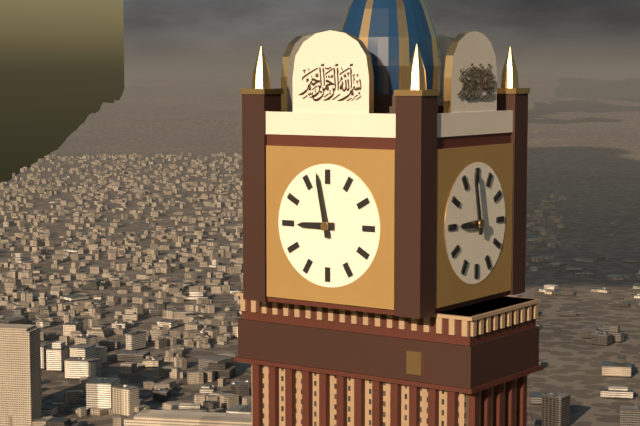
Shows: {"hour": 8, "minute": 58}
